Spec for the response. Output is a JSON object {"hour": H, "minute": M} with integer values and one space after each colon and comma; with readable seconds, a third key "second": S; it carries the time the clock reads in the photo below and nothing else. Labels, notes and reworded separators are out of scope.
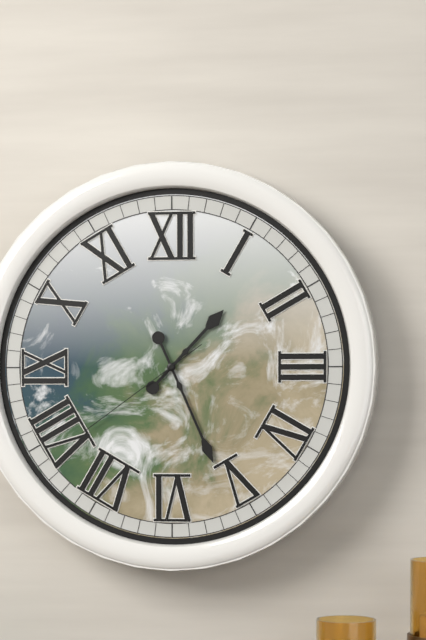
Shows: {"hour": 1, "minute": 26, "second": 39}
